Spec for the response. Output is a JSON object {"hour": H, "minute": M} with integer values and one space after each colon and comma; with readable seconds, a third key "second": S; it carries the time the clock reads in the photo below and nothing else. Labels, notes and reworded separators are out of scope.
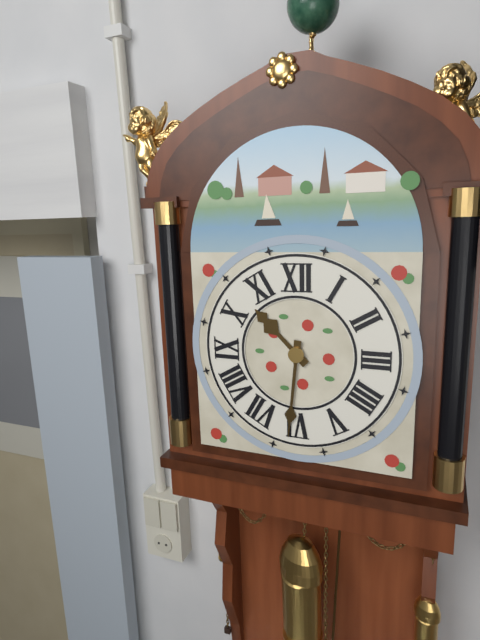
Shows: {"hour": 10, "minute": 31}
